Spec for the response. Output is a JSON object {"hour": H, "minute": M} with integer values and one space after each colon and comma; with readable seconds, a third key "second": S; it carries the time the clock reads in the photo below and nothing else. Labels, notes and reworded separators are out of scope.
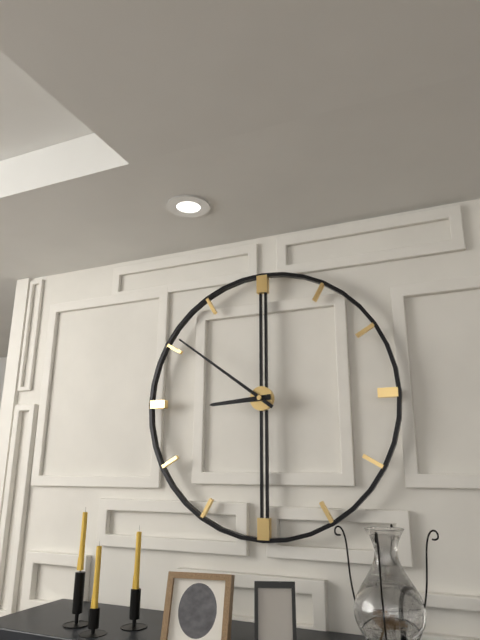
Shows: {"hour": 8, "minute": 51}
